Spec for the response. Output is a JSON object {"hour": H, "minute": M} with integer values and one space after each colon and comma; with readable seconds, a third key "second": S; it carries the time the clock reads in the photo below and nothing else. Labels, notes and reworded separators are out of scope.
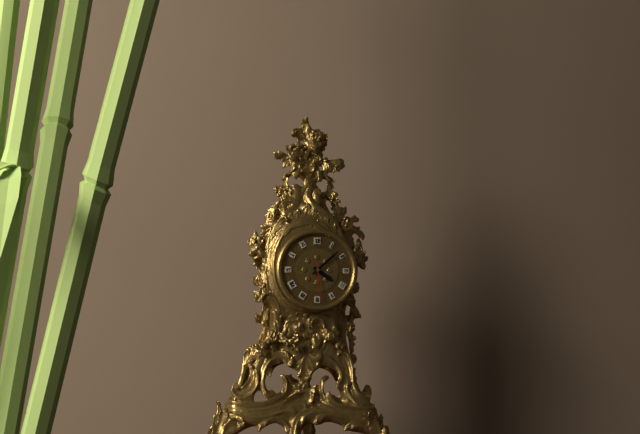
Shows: {"hour": 4, "minute": 8}
